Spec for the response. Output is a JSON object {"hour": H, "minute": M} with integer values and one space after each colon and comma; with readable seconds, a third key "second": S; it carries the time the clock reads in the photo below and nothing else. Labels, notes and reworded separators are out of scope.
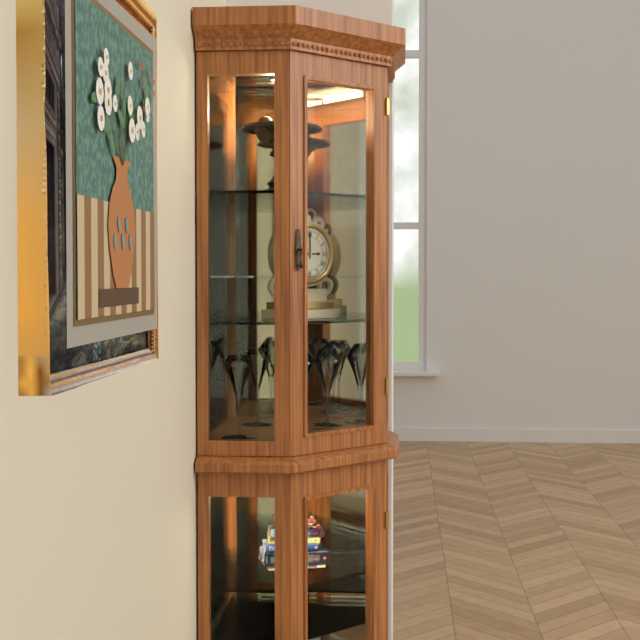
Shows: {"hour": 3, "minute": 0}
